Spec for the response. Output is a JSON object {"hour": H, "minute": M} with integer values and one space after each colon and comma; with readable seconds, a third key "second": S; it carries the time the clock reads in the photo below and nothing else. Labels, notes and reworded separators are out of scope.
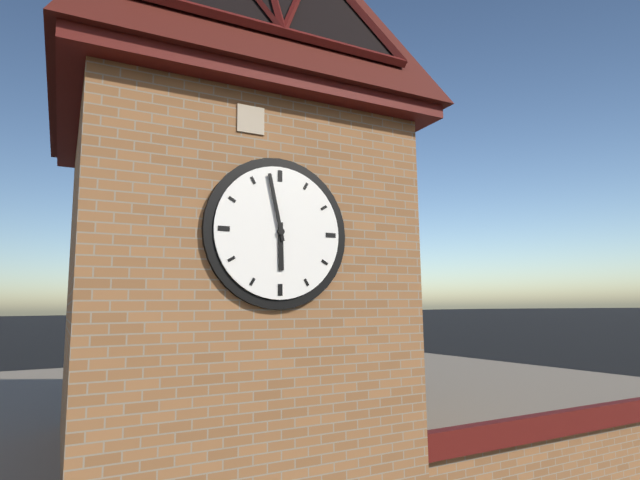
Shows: {"hour": 5, "minute": 58}
